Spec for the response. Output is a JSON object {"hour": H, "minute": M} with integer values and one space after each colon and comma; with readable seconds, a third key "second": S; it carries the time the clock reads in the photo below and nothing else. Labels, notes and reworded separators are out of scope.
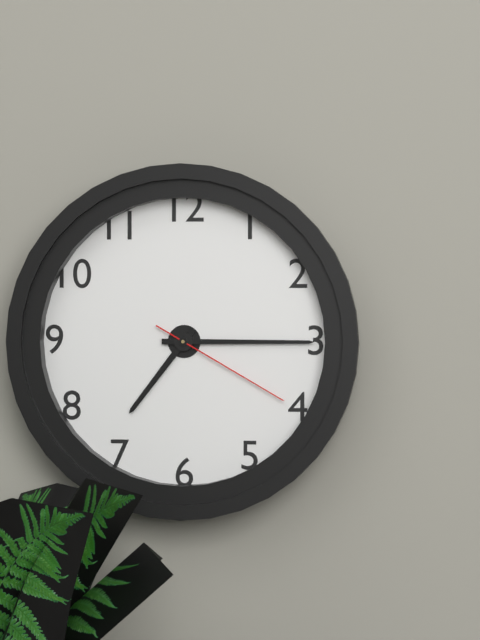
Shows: {"hour": 7, "minute": 15, "second": 20}
